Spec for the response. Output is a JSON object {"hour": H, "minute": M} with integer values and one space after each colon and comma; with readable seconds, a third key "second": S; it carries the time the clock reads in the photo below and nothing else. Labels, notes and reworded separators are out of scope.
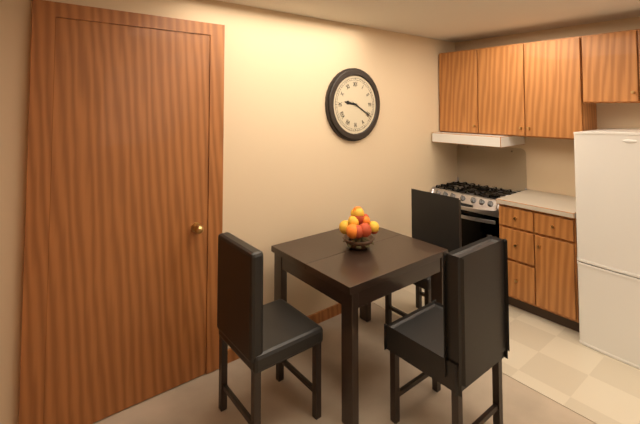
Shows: {"hour": 9, "minute": 20}
